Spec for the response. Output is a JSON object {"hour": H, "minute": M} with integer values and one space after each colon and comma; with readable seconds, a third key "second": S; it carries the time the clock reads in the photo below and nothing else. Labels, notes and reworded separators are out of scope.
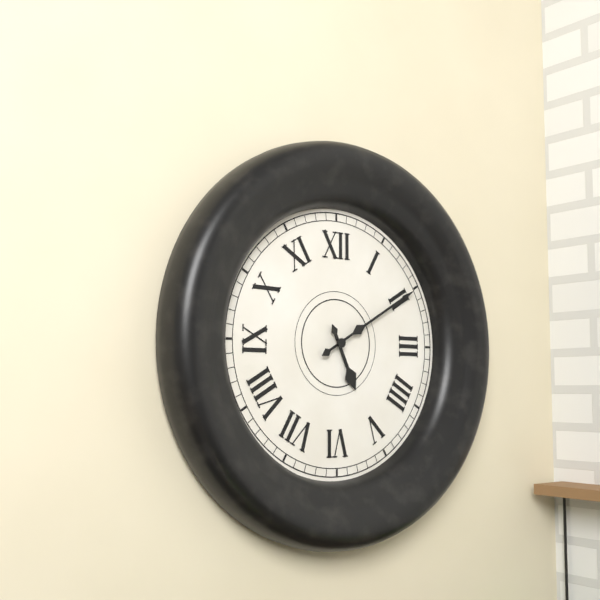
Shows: {"hour": 5, "minute": 10}
